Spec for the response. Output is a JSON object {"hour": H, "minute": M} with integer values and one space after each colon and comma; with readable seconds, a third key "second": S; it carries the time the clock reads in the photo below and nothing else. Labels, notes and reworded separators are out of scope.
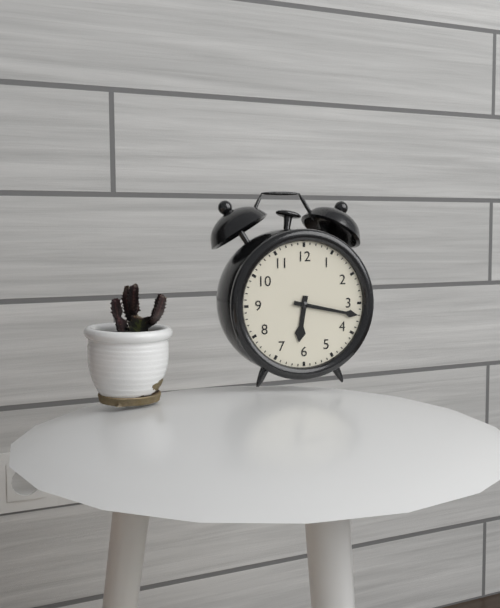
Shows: {"hour": 6, "minute": 17}
